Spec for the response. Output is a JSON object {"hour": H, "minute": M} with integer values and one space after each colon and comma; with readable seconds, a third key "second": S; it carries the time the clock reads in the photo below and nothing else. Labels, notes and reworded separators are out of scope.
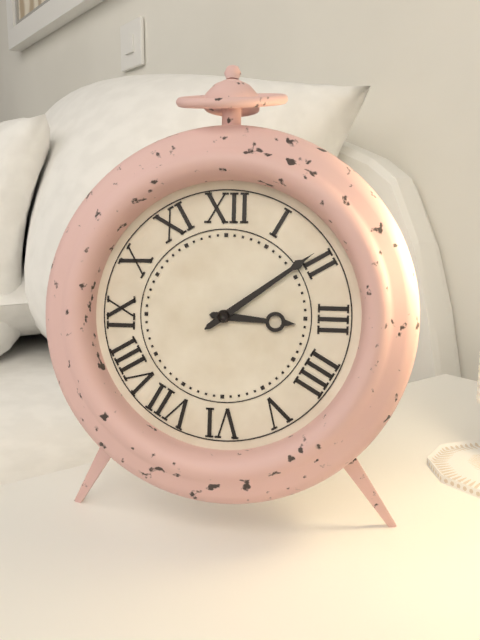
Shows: {"hour": 3, "minute": 9}
